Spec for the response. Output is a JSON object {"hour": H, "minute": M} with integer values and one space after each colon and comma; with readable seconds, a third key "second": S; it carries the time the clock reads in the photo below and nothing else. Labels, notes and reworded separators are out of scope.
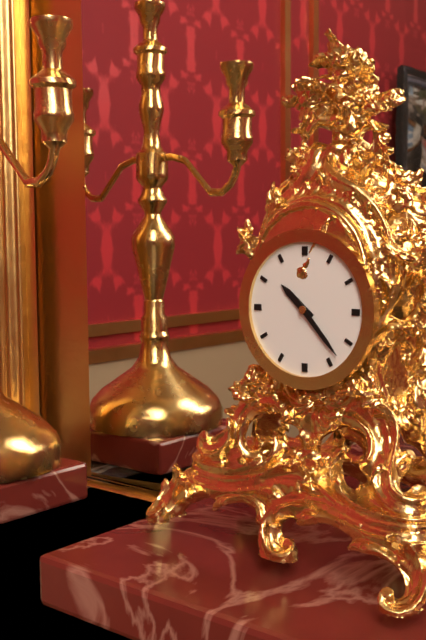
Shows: {"hour": 10, "minute": 23}
